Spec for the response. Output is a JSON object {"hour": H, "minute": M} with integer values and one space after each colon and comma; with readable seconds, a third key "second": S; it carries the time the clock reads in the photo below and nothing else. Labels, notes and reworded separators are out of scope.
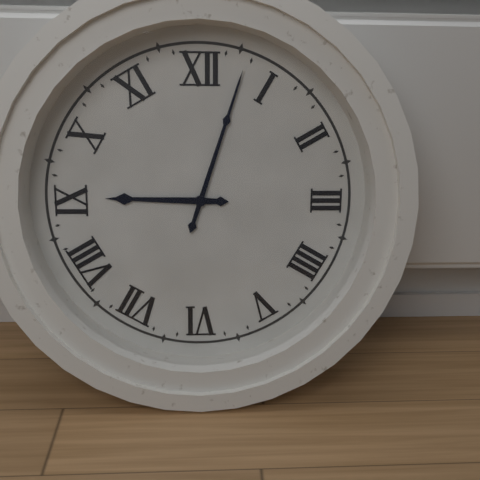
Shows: {"hour": 9, "minute": 3}
